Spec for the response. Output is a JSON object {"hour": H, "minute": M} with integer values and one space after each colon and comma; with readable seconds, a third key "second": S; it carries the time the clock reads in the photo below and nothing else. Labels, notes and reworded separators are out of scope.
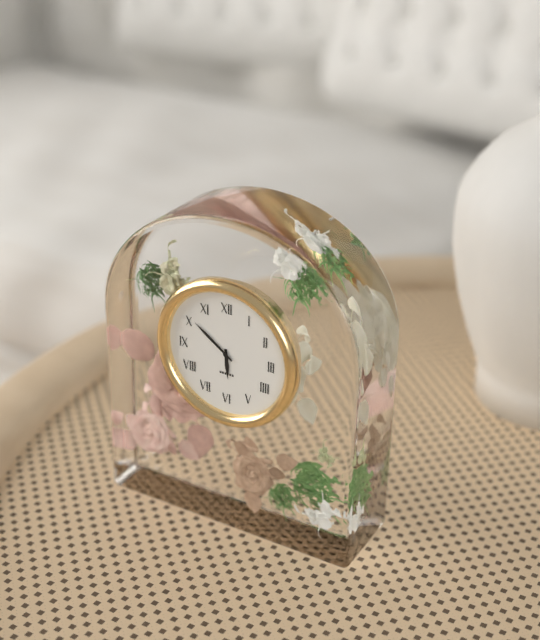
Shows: {"hour": 5, "minute": 51}
